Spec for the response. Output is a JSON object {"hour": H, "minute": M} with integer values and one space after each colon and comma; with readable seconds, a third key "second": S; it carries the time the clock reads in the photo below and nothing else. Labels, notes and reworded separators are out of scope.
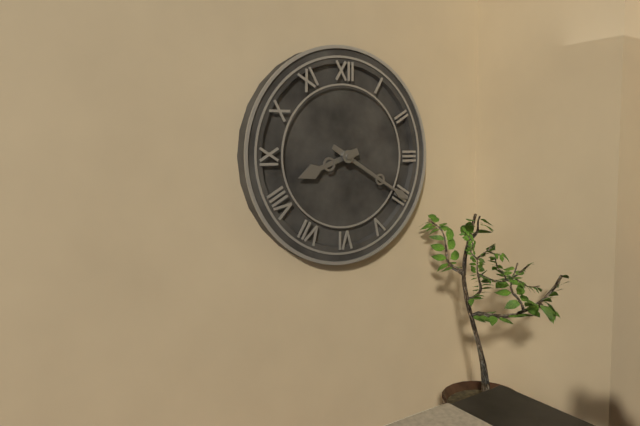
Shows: {"hour": 8, "minute": 20}
